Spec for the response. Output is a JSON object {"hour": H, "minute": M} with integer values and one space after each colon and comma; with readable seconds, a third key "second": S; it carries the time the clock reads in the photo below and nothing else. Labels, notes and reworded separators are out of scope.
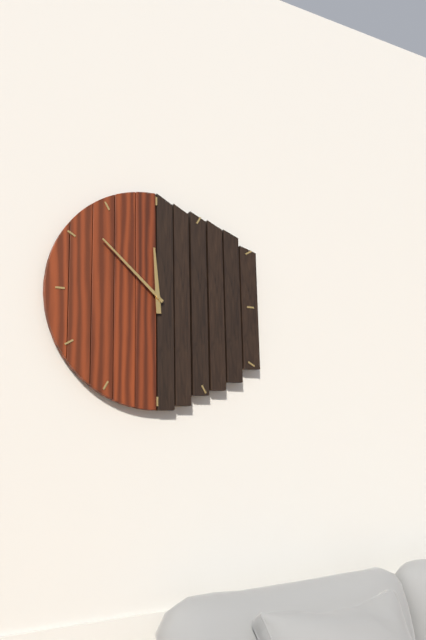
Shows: {"hour": 11, "minute": 52}
